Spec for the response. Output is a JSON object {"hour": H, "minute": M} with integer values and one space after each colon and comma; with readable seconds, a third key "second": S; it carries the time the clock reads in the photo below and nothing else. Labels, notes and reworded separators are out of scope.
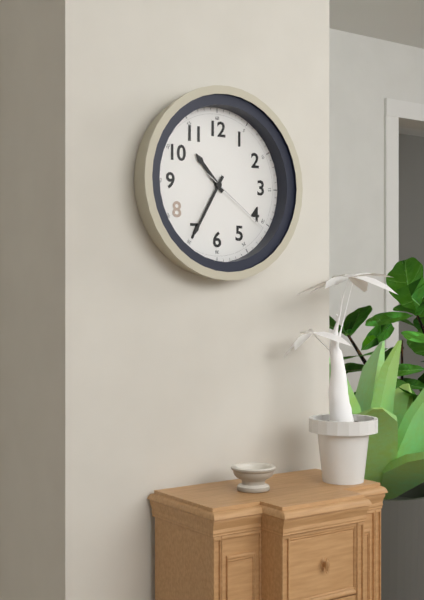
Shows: {"hour": 10, "minute": 35, "second": 21}
